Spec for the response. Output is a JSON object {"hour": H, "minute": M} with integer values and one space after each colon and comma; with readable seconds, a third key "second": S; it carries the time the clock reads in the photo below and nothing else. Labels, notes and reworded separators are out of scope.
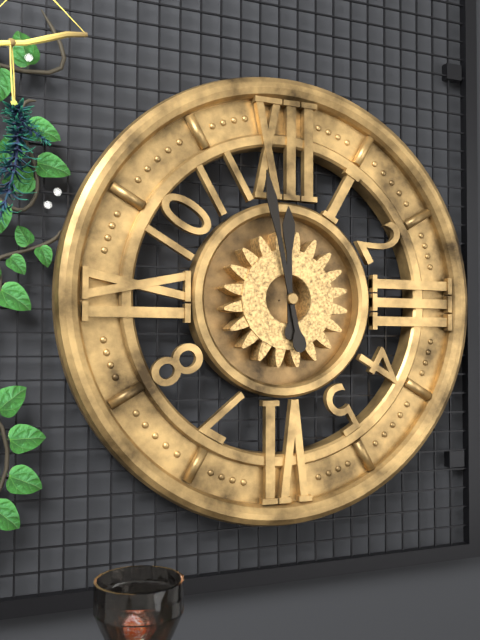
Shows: {"hour": 11, "minute": 58}
